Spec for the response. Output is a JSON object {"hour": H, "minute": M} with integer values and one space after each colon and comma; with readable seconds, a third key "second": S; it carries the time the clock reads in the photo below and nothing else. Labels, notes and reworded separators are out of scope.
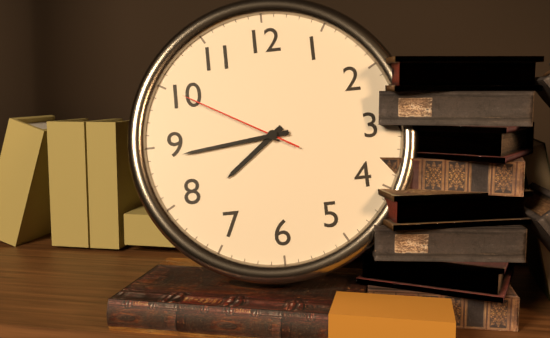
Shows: {"hour": 7, "minute": 44, "second": 50}
